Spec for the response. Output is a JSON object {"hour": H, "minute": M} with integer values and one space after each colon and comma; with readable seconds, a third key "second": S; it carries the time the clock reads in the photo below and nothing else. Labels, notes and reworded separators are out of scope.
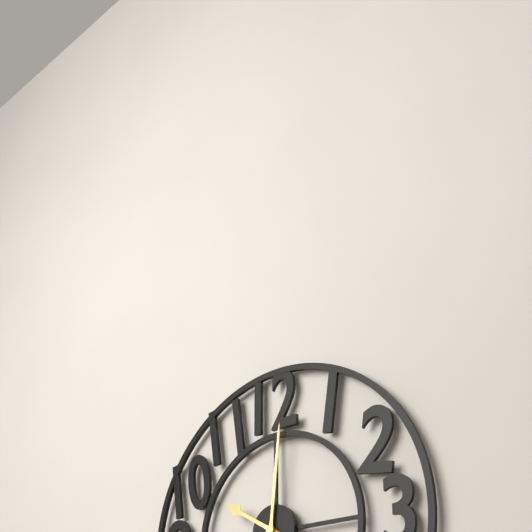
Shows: {"hour": 10, "minute": 1}
